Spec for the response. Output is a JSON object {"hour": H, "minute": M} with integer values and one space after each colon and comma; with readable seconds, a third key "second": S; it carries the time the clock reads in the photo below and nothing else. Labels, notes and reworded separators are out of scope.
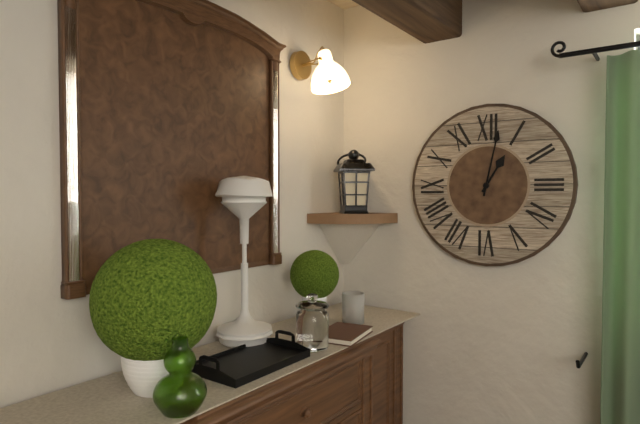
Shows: {"hour": 1, "minute": 2}
